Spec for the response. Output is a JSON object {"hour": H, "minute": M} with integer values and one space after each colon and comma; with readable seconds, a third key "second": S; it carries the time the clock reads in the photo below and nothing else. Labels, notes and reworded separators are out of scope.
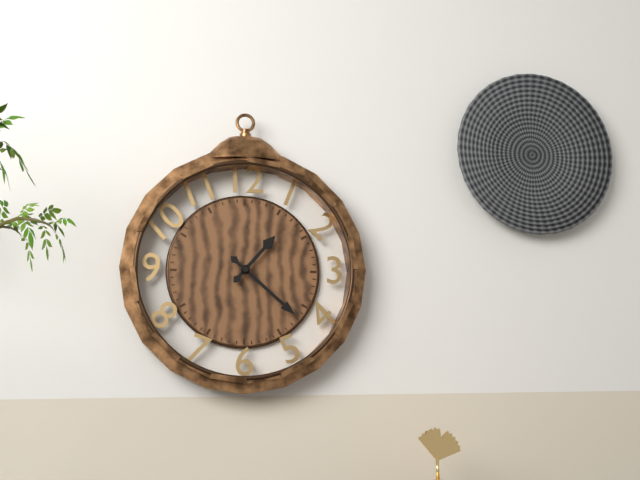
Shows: {"hour": 1, "minute": 22}
